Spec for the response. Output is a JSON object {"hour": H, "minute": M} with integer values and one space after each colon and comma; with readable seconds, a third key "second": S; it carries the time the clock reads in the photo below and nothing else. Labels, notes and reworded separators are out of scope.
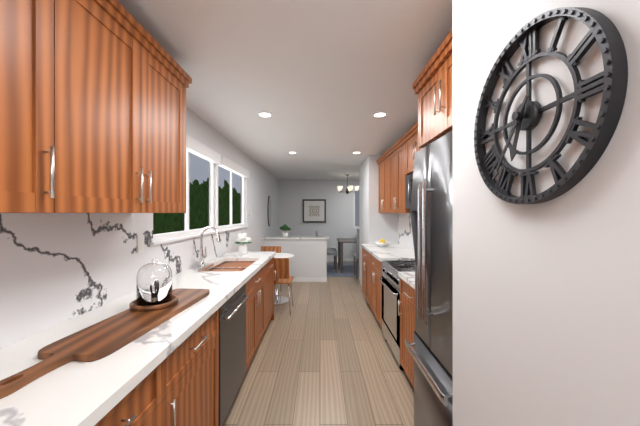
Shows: {"hour": 6, "minute": 36}
